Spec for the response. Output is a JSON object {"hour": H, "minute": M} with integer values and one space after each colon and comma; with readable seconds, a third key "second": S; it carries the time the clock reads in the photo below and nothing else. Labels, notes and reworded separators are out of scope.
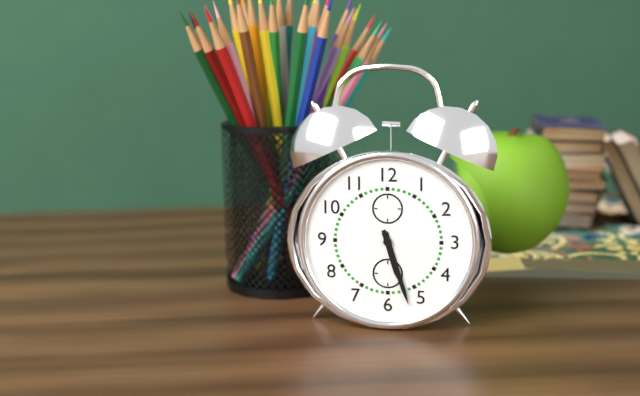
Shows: {"hour": 5, "minute": 27}
